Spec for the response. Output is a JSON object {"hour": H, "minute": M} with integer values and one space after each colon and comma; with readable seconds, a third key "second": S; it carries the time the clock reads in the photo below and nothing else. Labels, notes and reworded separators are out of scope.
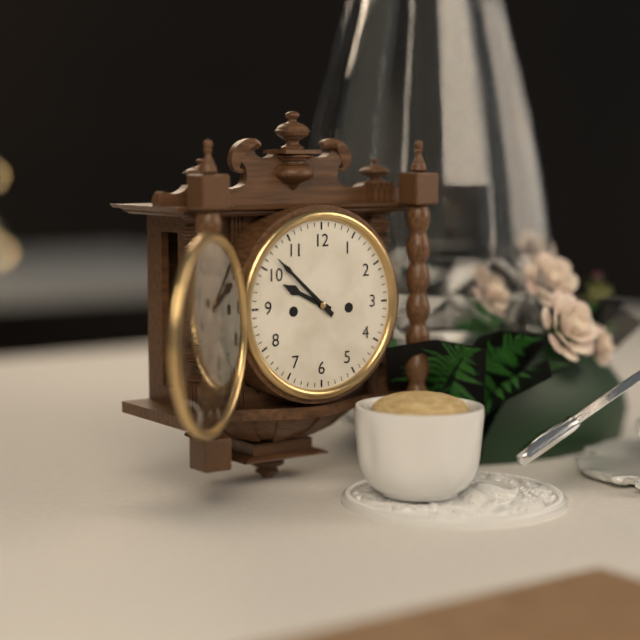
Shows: {"hour": 9, "minute": 52}
